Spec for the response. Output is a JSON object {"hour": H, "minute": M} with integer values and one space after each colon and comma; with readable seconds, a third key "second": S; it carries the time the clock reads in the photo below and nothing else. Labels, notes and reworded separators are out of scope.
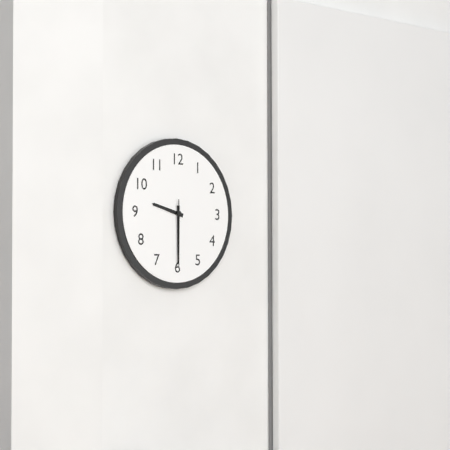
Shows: {"hour": 9, "minute": 30, "second": 30}
